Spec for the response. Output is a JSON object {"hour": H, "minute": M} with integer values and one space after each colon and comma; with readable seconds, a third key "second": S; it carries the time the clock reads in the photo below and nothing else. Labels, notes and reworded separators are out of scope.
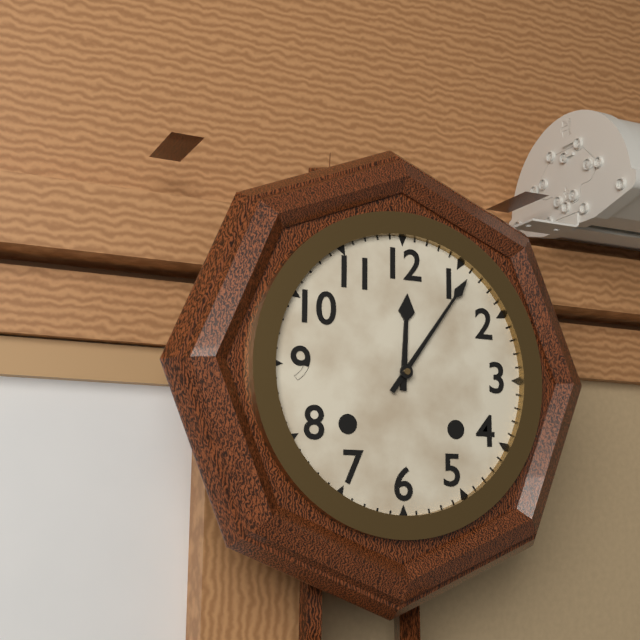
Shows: {"hour": 12, "minute": 6}
